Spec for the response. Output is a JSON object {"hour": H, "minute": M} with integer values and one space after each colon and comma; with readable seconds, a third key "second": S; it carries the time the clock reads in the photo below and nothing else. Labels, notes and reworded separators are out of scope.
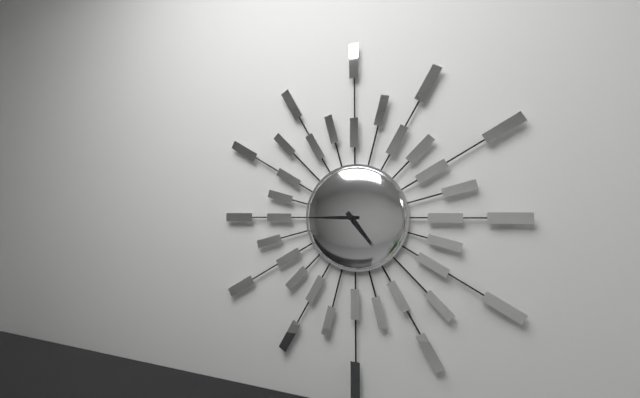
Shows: {"hour": 4, "minute": 45}
